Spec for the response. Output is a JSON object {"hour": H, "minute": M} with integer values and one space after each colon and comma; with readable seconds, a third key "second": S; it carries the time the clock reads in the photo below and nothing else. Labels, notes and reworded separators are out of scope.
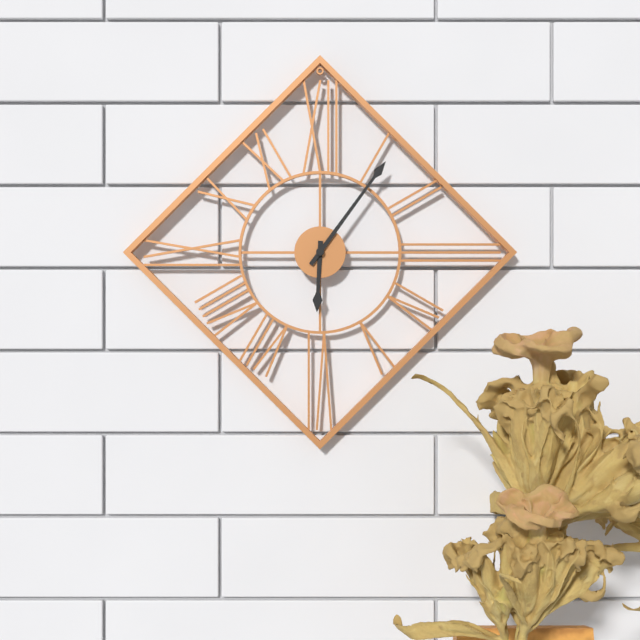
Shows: {"hour": 6, "minute": 6}
